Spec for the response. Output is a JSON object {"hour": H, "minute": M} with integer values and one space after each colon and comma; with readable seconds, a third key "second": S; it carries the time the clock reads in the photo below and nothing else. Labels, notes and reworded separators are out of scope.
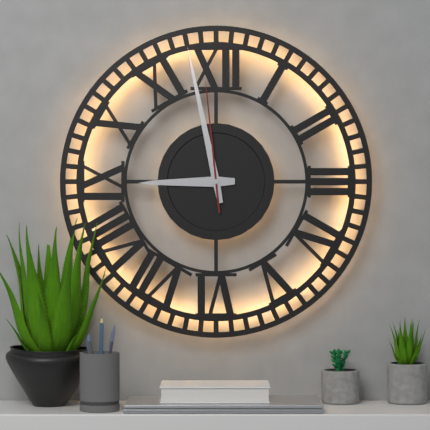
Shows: {"hour": 8, "minute": 58, "second": 59}
